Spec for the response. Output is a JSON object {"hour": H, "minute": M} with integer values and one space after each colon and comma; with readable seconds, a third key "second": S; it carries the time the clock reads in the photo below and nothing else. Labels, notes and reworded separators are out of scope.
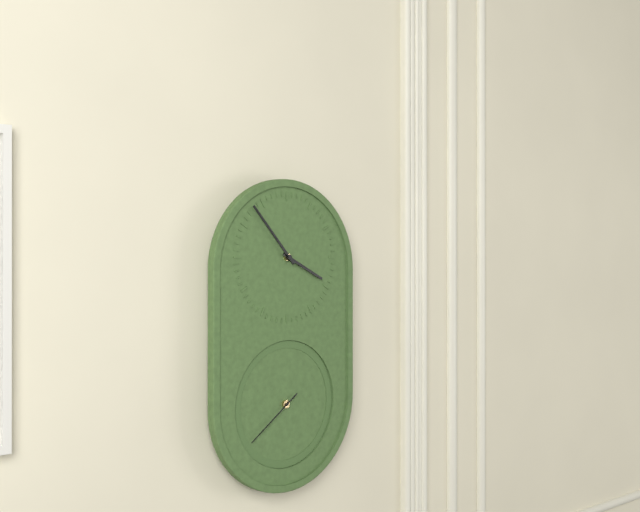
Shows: {"hour": 3, "minute": 53, "second": 39}
